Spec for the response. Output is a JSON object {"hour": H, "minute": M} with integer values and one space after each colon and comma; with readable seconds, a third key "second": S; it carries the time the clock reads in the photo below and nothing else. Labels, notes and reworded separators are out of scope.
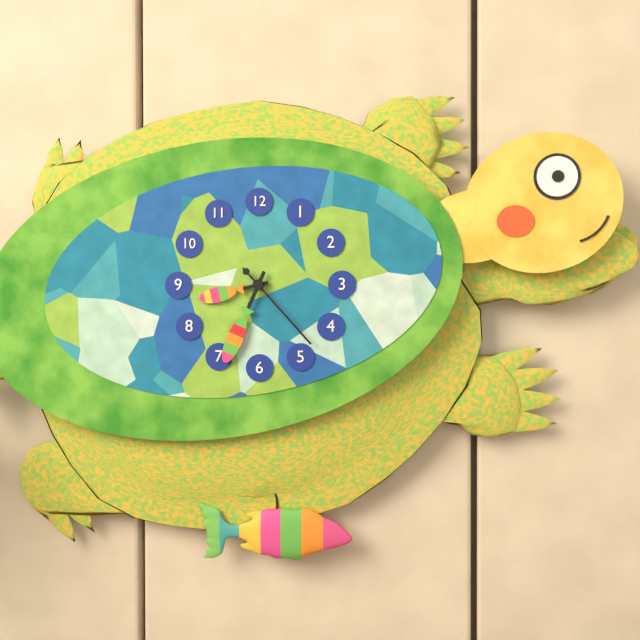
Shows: {"hour": 8, "minute": 34, "second": 23}
